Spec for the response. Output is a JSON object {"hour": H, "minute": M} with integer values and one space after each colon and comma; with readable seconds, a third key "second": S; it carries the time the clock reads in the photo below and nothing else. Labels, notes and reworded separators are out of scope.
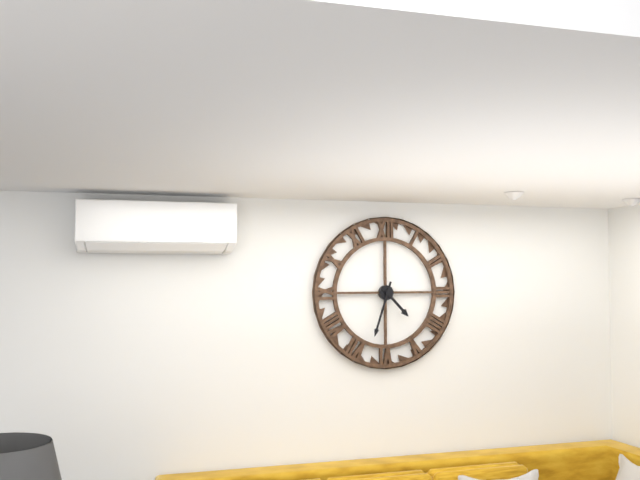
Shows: {"hour": 4, "minute": 33}
